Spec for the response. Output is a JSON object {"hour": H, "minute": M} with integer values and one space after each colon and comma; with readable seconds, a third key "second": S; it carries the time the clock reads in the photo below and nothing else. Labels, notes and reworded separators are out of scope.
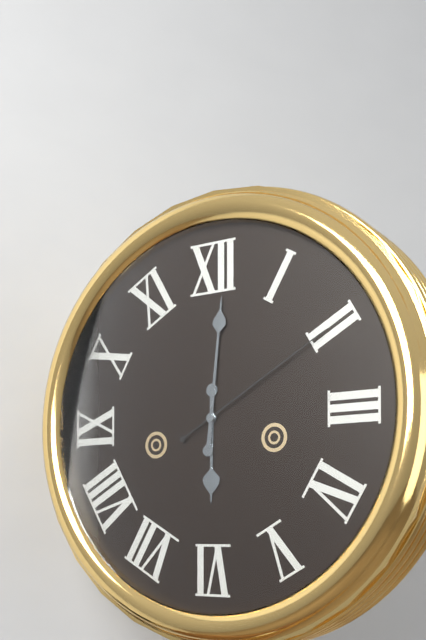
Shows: {"hour": 6, "minute": 1, "second": 10}
